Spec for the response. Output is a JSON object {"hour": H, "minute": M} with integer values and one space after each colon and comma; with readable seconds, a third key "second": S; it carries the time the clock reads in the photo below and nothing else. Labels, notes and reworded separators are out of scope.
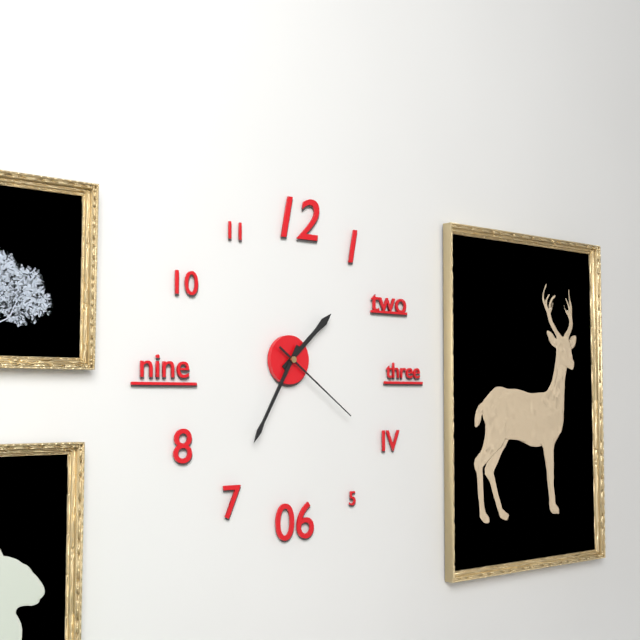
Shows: {"hour": 1, "minute": 35, "second": 21}
